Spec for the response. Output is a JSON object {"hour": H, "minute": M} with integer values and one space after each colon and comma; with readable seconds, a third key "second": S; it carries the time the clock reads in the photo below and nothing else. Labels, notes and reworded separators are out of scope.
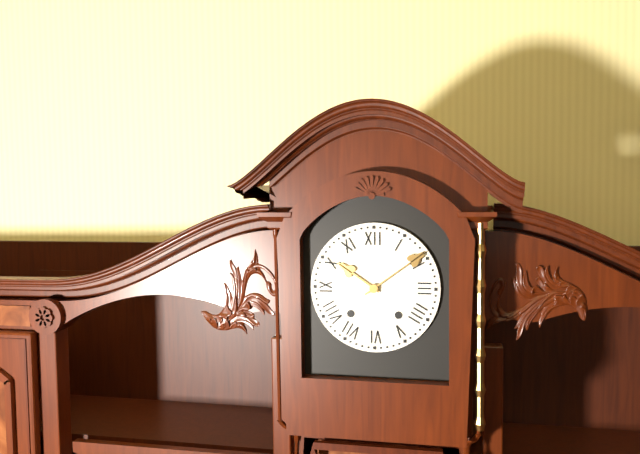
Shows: {"hour": 10, "minute": 9}
